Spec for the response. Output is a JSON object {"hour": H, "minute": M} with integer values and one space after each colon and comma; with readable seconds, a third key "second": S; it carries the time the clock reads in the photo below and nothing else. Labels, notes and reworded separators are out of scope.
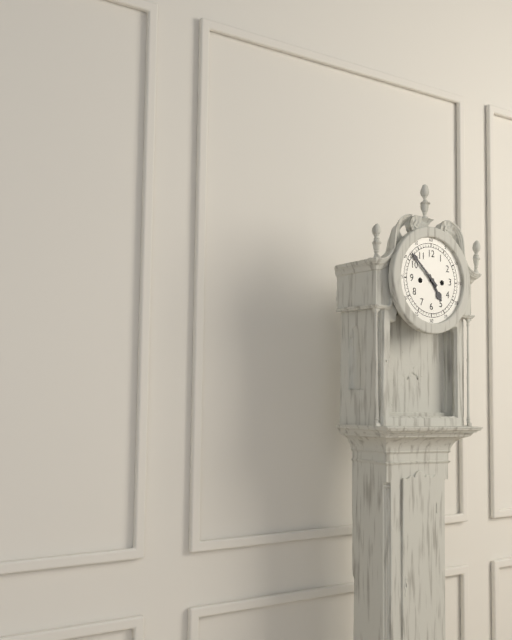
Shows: {"hour": 4, "minute": 52}
